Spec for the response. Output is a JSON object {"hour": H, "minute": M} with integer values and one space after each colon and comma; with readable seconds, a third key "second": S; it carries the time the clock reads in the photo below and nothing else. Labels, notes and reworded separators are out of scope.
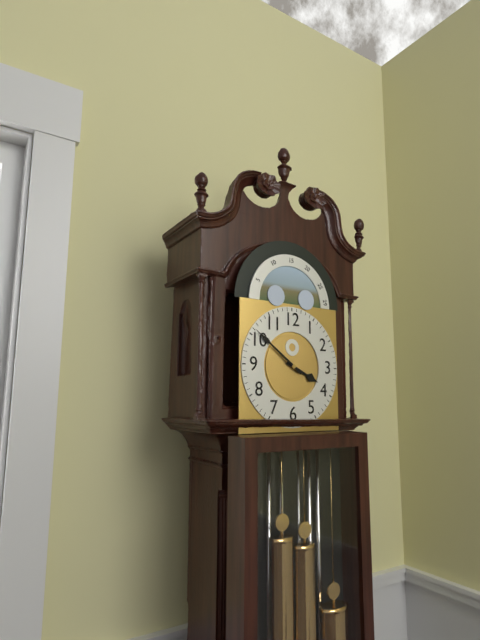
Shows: {"hour": 3, "minute": 51}
